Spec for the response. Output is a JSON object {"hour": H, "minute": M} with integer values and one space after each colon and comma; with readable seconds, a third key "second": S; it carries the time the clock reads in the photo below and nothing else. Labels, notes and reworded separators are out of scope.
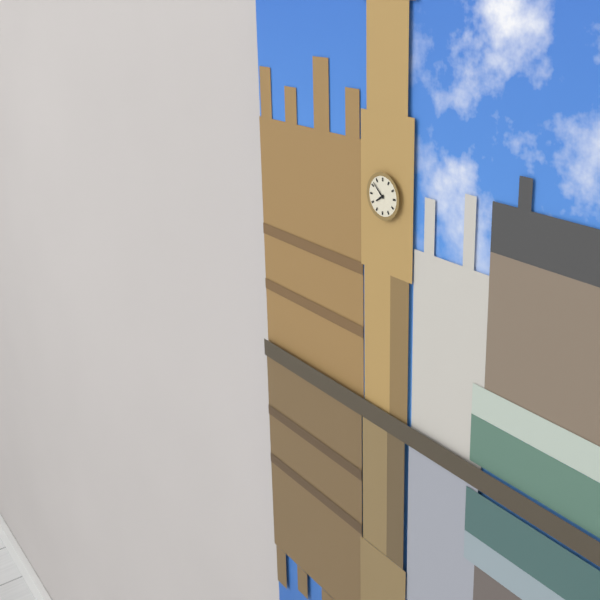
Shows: {"hour": 7, "minute": 52}
